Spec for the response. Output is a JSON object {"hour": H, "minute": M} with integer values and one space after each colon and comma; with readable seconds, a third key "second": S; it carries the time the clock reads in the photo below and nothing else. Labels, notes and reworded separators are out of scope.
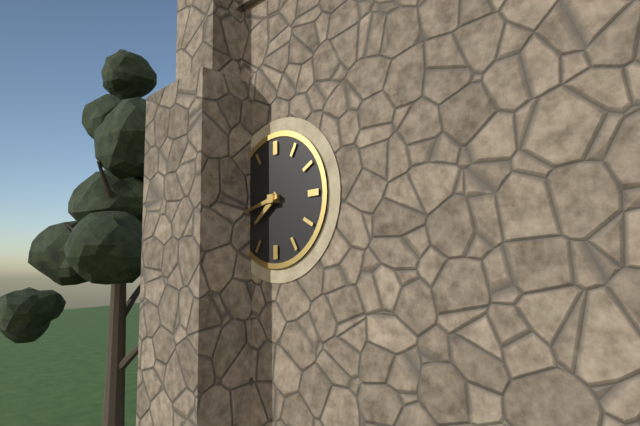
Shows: {"hour": 7, "minute": 43}
